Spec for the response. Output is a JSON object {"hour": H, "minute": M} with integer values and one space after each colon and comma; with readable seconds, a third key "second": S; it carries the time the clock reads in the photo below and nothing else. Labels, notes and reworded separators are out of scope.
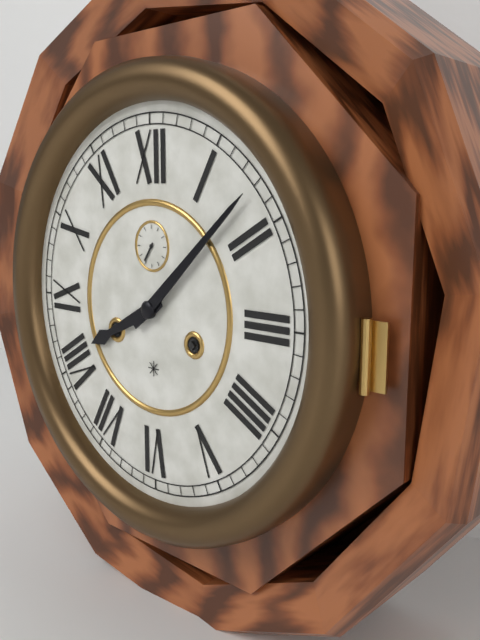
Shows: {"hour": 8, "minute": 8}
